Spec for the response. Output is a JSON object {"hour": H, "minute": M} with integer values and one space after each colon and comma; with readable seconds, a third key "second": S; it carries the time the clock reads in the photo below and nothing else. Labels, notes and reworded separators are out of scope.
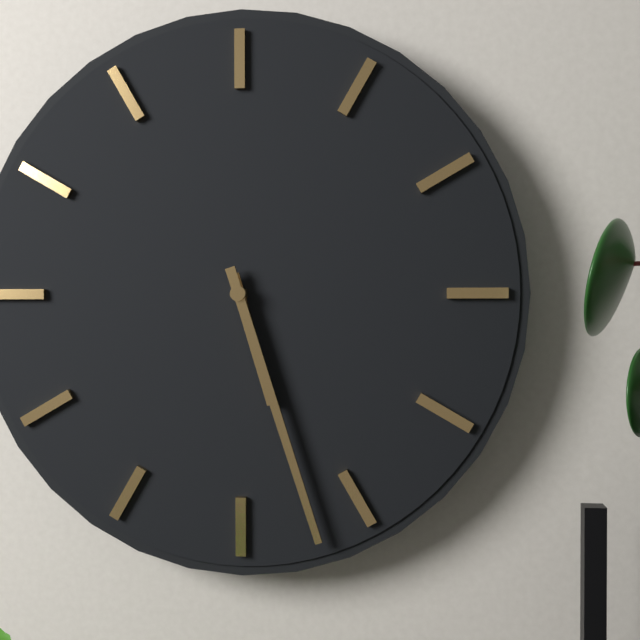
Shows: {"hour": 5, "minute": 27}
